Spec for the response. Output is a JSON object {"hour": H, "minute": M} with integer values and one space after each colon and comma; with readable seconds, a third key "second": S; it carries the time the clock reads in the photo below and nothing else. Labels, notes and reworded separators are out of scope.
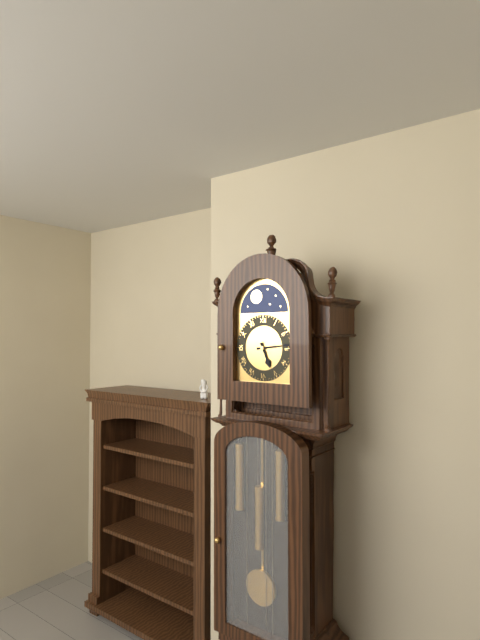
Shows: {"hour": 5, "minute": 14}
